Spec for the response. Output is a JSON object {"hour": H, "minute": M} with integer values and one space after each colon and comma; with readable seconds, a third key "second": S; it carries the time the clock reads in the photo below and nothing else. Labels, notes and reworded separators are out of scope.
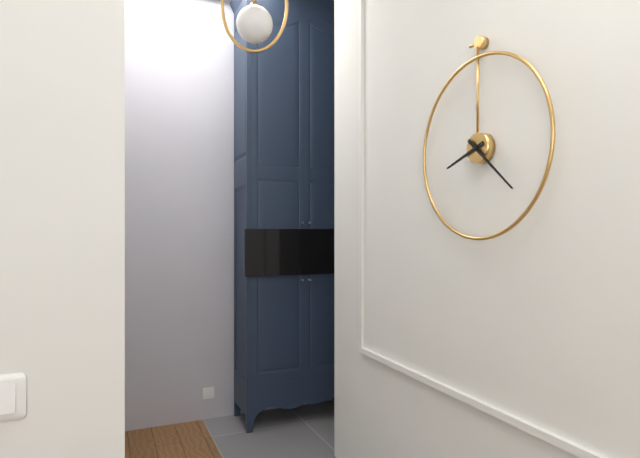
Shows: {"hour": 8, "minute": 22}
